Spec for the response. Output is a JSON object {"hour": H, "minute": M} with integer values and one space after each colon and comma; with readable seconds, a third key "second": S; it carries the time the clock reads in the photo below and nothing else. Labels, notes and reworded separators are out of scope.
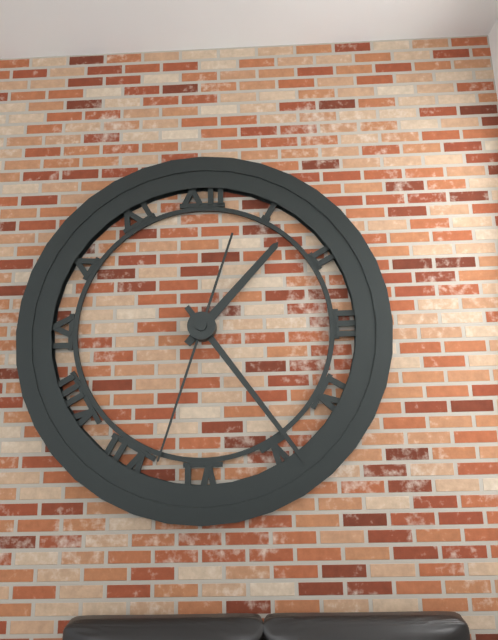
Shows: {"hour": 1, "minute": 24, "second": 33}
